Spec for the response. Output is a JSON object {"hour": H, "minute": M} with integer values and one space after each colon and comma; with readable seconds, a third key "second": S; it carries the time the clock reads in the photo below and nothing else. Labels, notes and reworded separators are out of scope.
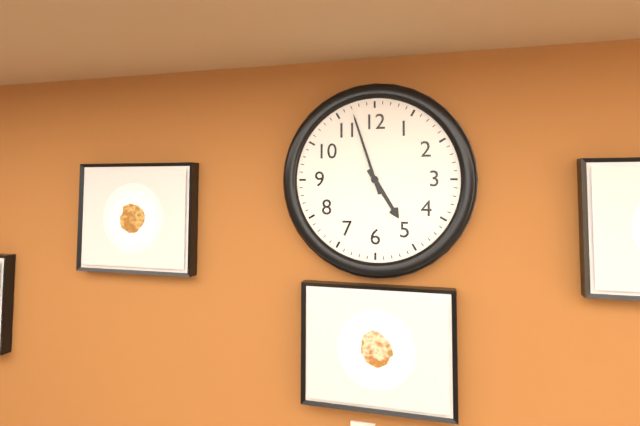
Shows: {"hour": 4, "minute": 57}
